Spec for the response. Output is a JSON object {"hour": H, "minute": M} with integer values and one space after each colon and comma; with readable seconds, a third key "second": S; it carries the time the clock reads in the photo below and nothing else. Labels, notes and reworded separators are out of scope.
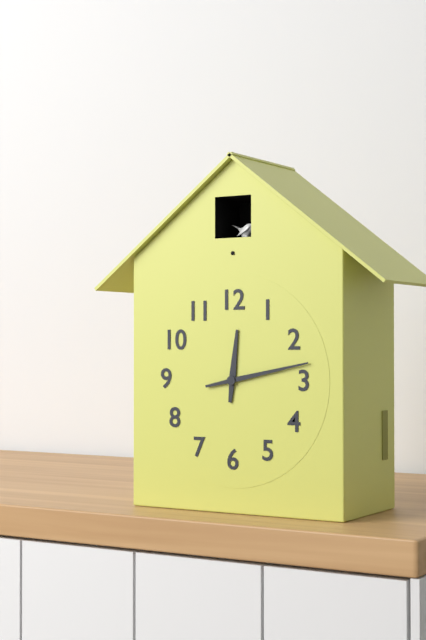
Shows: {"hour": 12, "minute": 13}
